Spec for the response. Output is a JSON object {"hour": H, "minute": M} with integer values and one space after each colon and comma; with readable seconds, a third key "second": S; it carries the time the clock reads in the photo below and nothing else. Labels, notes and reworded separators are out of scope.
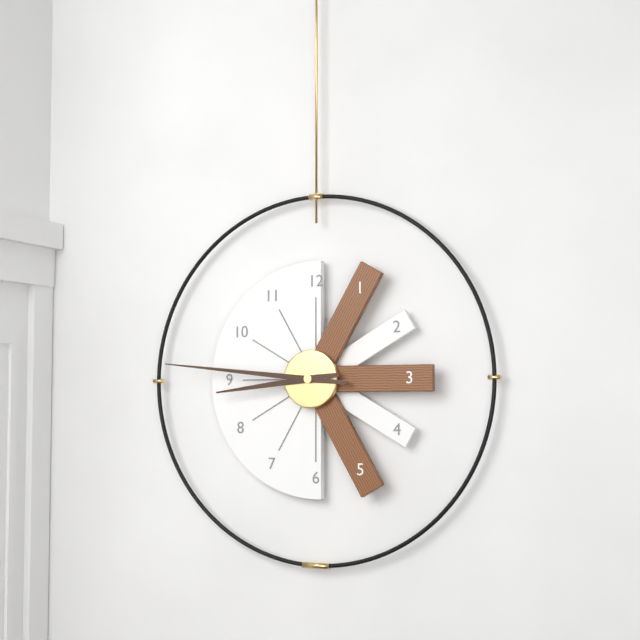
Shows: {"hour": 8, "minute": 46}
